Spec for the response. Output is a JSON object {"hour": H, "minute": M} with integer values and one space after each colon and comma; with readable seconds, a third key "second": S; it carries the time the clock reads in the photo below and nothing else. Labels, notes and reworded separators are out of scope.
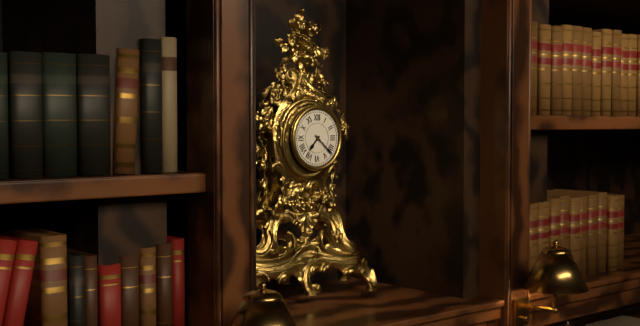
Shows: {"hour": 7, "minute": 22}
